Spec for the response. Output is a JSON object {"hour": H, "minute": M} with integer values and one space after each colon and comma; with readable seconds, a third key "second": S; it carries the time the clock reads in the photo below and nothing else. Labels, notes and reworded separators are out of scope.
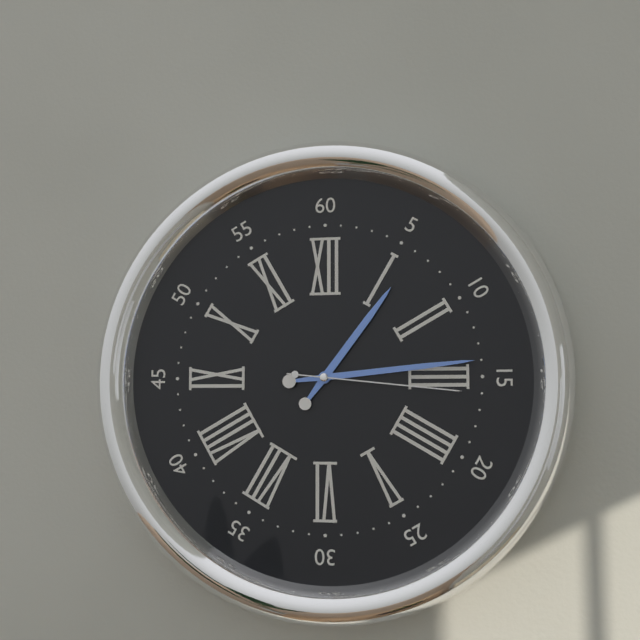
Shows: {"hour": 1, "minute": 14, "second": 16}
